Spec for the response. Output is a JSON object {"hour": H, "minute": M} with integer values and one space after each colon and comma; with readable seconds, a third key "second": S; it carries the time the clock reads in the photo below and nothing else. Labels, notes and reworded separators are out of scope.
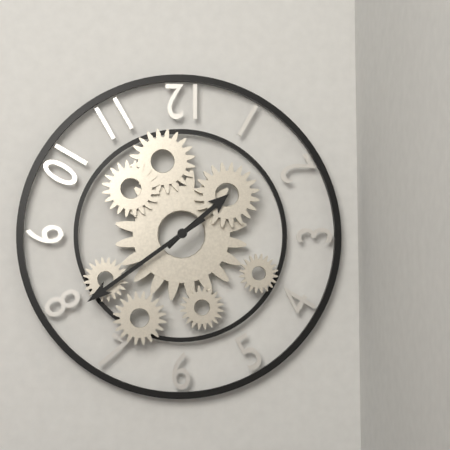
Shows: {"hour": 1, "minute": 39}
